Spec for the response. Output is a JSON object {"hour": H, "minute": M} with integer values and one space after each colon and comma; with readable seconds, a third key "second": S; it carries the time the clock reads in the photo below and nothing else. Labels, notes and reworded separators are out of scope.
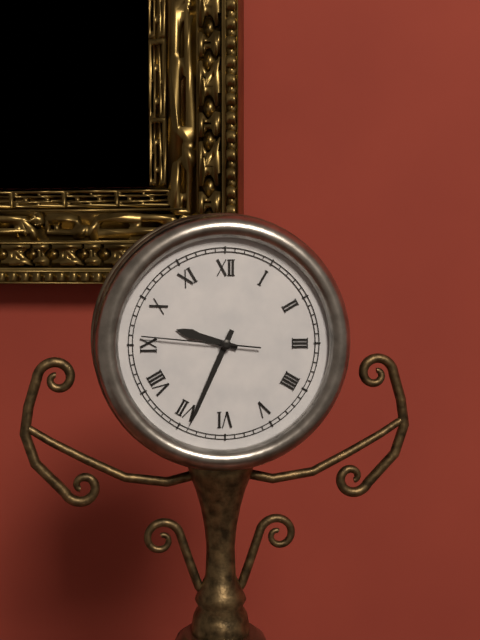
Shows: {"hour": 9, "minute": 34, "second": 46}
